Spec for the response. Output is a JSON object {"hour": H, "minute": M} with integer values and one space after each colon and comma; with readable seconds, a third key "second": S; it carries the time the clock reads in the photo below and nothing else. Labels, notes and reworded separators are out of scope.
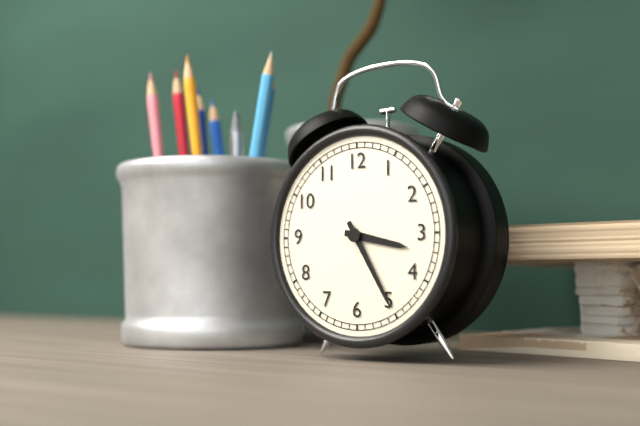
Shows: {"hour": 3, "minute": 25}
